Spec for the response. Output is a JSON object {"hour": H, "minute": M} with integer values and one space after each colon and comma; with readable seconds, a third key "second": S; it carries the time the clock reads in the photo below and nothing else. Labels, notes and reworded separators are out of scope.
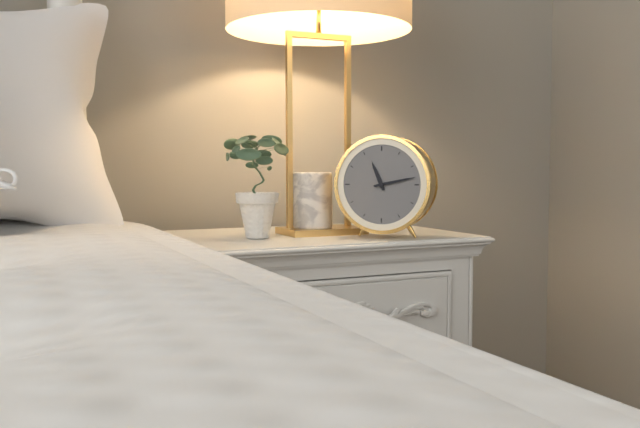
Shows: {"hour": 11, "minute": 13}
